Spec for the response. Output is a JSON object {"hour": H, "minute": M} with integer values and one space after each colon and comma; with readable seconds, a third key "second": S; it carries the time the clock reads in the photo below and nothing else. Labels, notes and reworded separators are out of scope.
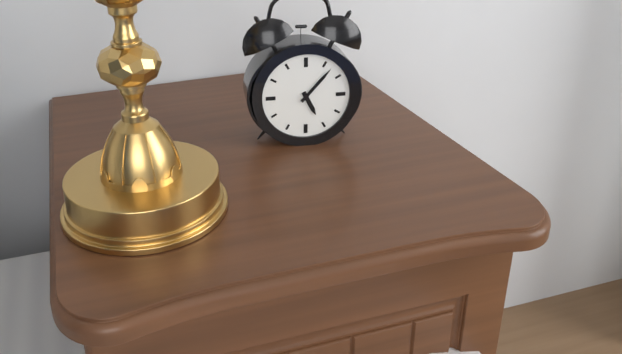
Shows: {"hour": 5, "minute": 7}
